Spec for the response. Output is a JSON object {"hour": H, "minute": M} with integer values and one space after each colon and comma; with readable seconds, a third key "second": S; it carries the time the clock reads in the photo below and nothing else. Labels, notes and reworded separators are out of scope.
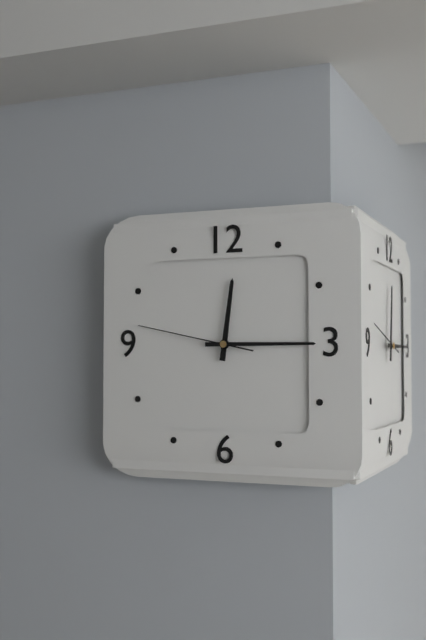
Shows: {"hour": 12, "minute": 15, "second": 47}
